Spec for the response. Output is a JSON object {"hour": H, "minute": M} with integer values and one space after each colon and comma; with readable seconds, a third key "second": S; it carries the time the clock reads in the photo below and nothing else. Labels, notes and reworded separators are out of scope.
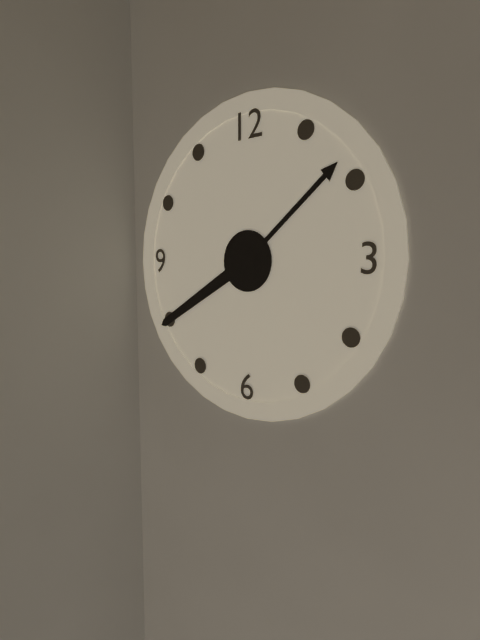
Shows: {"hour": 1, "minute": 40}
